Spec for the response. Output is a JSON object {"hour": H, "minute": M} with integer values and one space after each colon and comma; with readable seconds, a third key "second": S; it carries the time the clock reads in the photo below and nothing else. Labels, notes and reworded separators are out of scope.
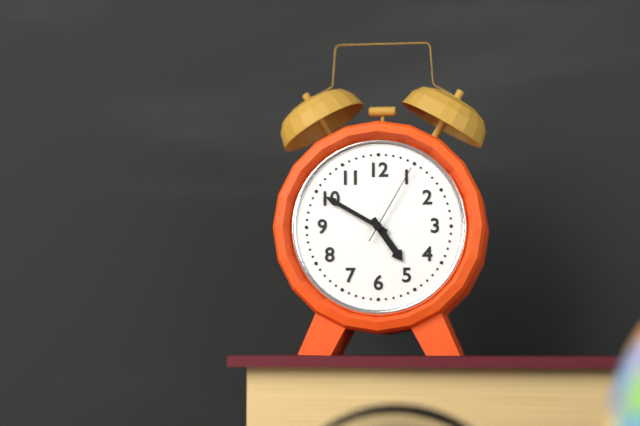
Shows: {"hour": 4, "minute": 50, "second": 5}
